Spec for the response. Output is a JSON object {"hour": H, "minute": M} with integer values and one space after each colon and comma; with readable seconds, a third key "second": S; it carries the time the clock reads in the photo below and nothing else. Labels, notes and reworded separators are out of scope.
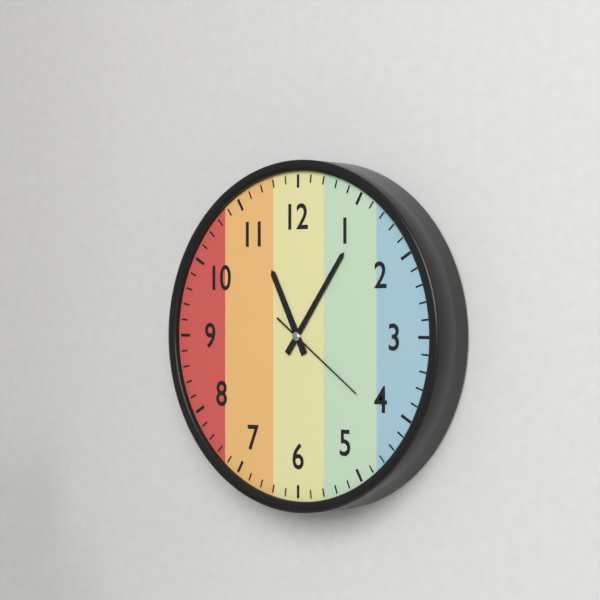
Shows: {"hour": 11, "minute": 6, "second": 21}
